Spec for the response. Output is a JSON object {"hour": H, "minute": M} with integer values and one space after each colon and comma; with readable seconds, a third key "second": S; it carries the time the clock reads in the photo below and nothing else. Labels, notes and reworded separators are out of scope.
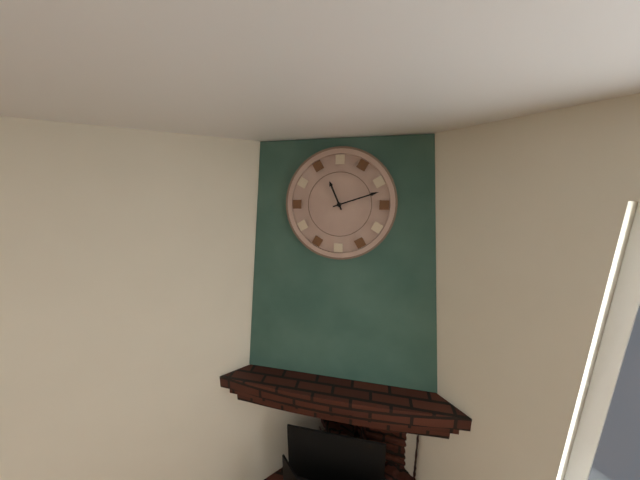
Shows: {"hour": 11, "minute": 12}
